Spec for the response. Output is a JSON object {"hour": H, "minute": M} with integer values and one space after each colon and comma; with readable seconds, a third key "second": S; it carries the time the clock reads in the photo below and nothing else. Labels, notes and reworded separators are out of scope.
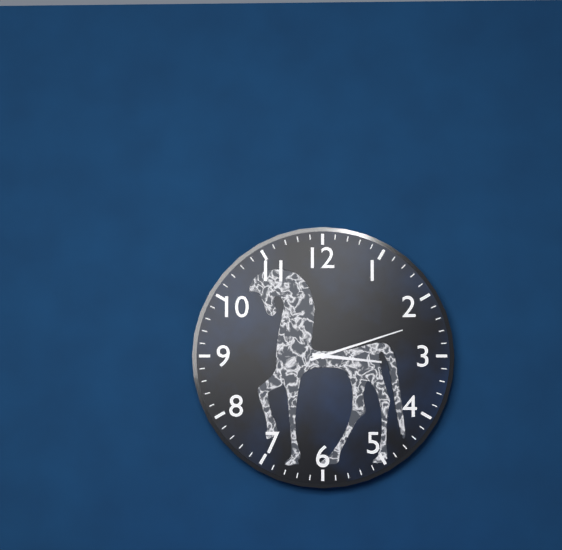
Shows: {"hour": 3, "minute": 12}
